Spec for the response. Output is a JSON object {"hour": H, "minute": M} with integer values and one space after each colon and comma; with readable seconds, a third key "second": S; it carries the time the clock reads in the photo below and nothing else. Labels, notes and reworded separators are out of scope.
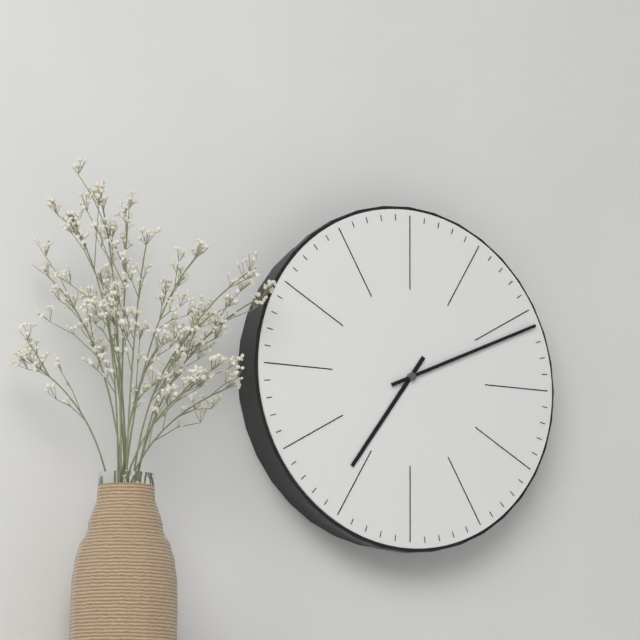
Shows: {"hour": 7, "minute": 11}
